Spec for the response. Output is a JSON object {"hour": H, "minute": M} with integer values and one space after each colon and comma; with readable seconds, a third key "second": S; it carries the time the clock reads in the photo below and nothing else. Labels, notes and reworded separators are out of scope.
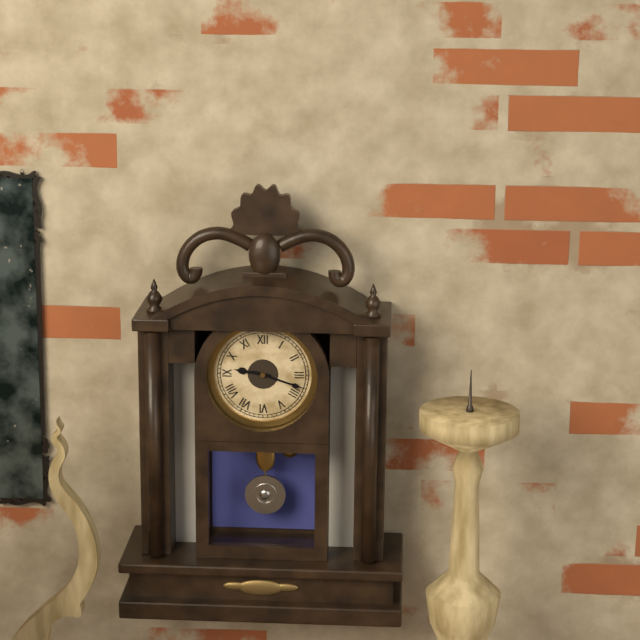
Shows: {"hour": 9, "minute": 18}
